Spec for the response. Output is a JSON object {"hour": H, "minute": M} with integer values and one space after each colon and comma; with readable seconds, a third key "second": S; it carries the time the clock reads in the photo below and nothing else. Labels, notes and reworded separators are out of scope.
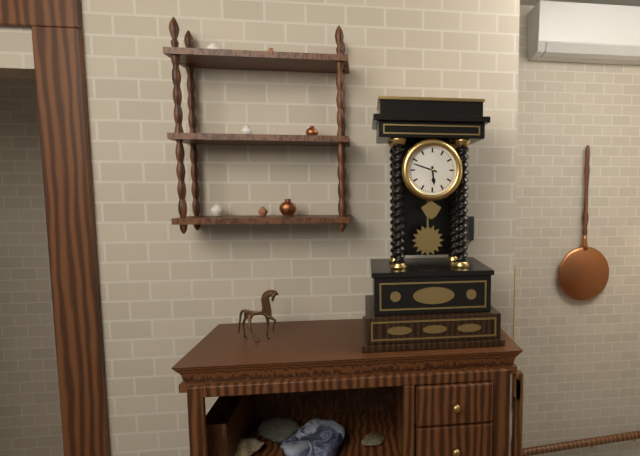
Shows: {"hour": 5, "minute": 48}
